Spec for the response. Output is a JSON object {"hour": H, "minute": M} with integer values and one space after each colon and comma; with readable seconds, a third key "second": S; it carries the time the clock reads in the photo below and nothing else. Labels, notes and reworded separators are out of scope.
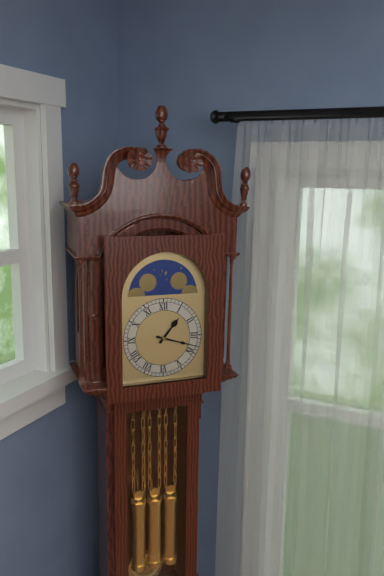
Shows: {"hour": 1, "minute": 18}
